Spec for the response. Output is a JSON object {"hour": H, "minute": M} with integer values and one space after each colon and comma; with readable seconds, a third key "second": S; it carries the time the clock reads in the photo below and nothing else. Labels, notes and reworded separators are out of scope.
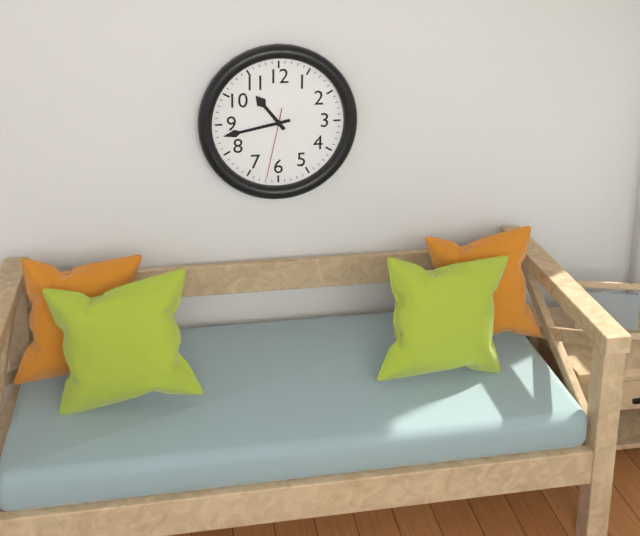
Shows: {"hour": 10, "minute": 43, "second": 32}
